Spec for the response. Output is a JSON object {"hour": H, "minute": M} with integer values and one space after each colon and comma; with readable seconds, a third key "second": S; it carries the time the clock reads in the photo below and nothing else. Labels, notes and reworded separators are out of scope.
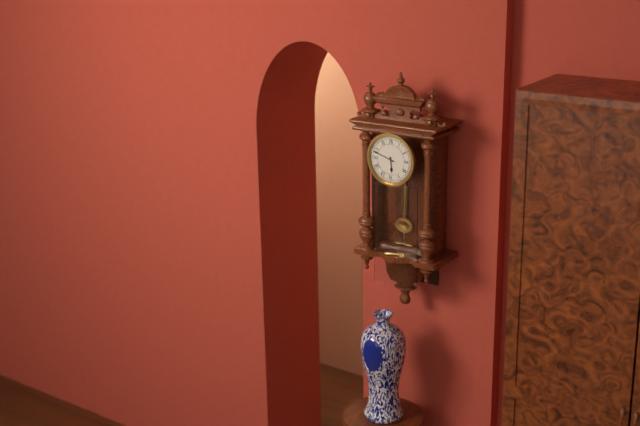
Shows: {"hour": 5, "minute": 48}
